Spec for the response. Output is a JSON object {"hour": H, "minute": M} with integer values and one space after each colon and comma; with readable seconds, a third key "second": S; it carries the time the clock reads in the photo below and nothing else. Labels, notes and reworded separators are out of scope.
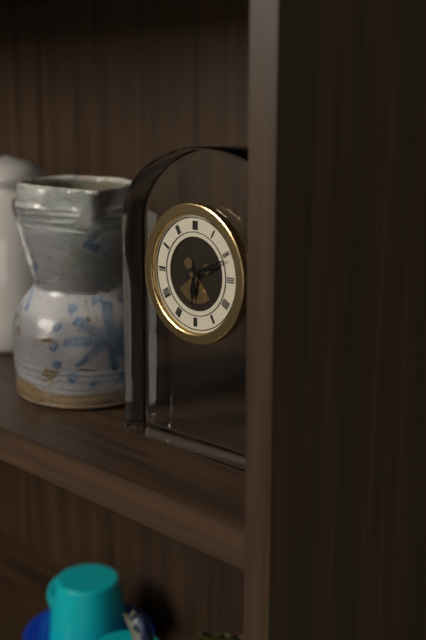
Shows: {"hour": 6, "minute": 11}
